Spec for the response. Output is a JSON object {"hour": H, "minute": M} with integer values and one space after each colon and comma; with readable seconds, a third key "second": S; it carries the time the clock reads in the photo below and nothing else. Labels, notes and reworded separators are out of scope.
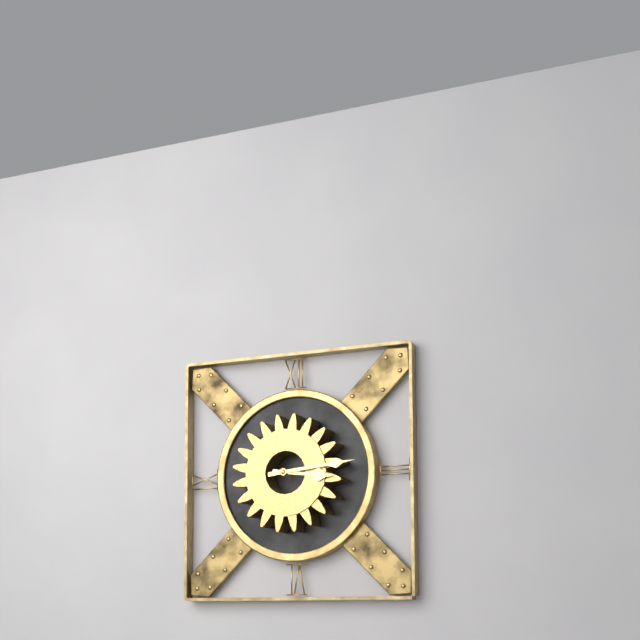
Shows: {"hour": 3, "minute": 14}
